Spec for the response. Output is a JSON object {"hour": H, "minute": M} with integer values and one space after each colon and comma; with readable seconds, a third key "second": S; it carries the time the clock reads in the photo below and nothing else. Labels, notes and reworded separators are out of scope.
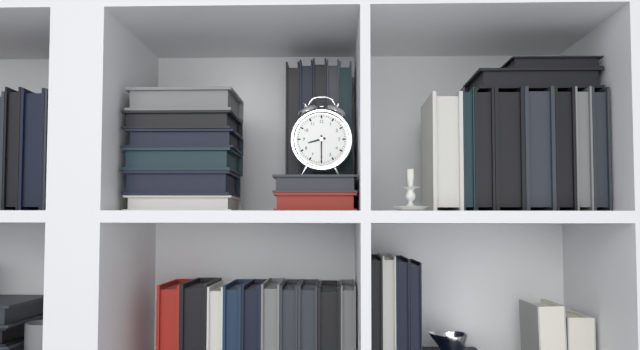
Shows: {"hour": 8, "minute": 30}
